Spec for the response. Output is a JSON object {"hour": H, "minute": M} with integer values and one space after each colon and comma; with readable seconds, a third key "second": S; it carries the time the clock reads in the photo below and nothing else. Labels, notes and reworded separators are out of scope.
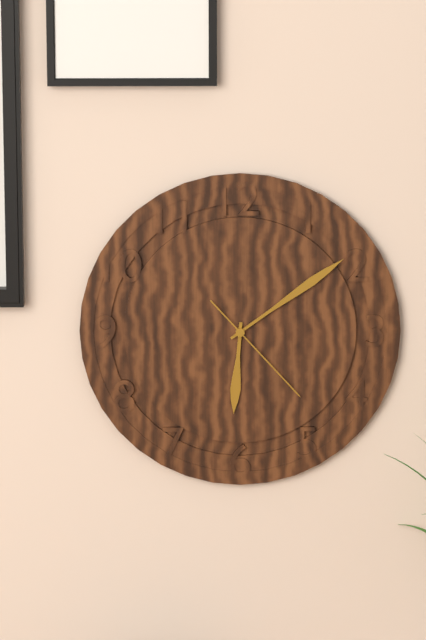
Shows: {"hour": 6, "minute": 9, "second": 23}
